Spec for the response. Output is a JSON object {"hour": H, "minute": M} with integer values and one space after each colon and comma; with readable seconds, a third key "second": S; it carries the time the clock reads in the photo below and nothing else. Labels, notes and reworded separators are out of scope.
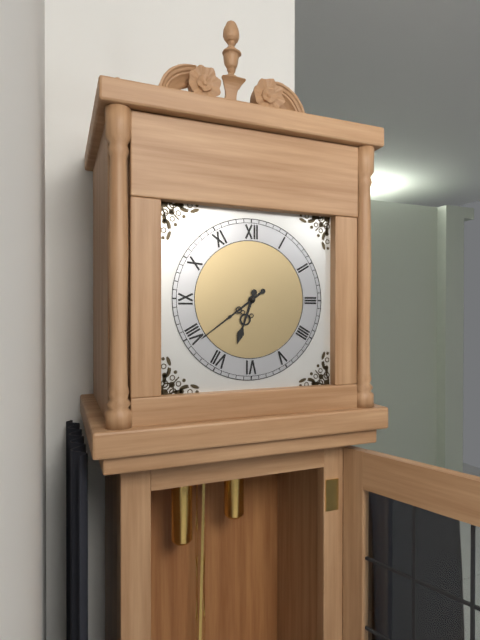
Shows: {"hour": 6, "minute": 39}
